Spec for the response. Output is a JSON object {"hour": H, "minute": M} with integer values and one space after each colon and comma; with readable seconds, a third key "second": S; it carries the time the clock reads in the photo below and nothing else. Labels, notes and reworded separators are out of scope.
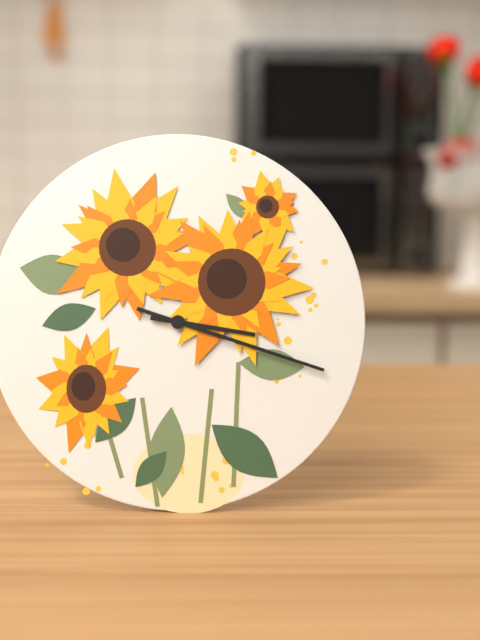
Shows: {"hour": 3, "minute": 18}
